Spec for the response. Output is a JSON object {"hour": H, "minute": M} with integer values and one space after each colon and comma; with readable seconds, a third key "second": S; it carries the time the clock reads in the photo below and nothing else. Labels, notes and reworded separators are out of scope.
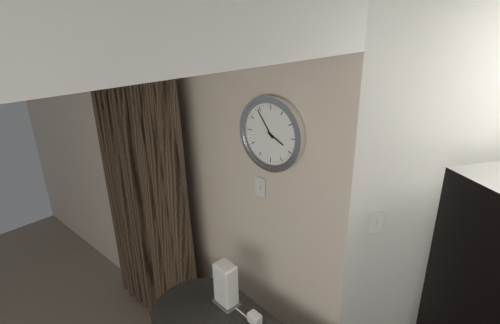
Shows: {"hour": 3, "minute": 54}
